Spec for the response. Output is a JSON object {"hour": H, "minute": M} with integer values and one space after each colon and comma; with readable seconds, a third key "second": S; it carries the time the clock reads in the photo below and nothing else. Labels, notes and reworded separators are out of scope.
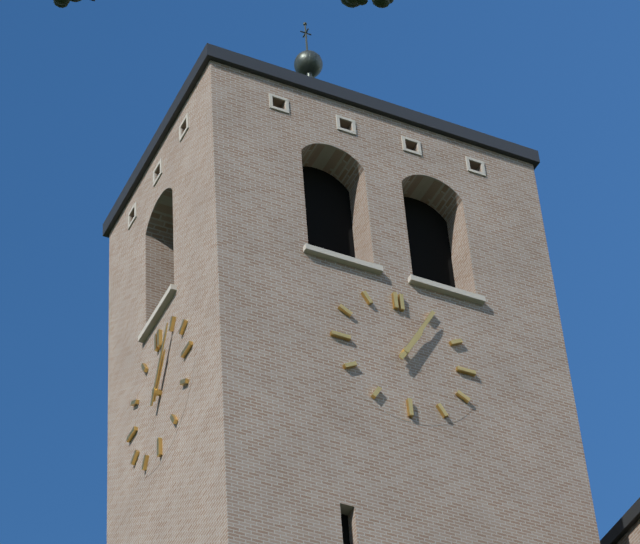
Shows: {"hour": 1, "minute": 5}
